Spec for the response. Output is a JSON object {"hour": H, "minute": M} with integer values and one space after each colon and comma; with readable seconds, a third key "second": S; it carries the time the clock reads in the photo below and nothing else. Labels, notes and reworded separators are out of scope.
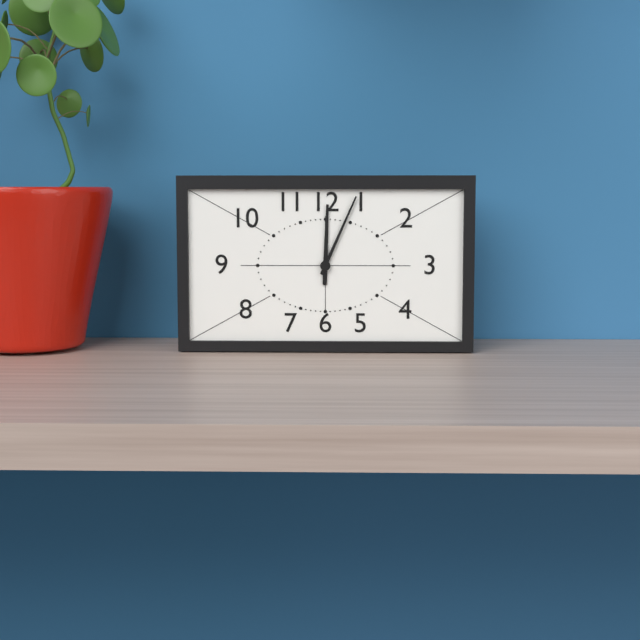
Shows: {"hour": 12, "minute": 4}
